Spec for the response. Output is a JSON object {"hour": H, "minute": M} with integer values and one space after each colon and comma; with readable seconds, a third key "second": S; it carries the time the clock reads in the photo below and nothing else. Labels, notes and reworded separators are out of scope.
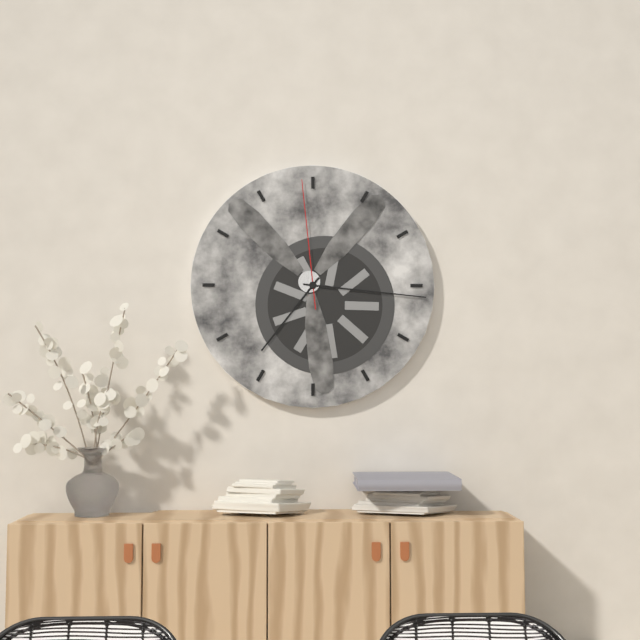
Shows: {"hour": 7, "minute": 16, "second": 59}
